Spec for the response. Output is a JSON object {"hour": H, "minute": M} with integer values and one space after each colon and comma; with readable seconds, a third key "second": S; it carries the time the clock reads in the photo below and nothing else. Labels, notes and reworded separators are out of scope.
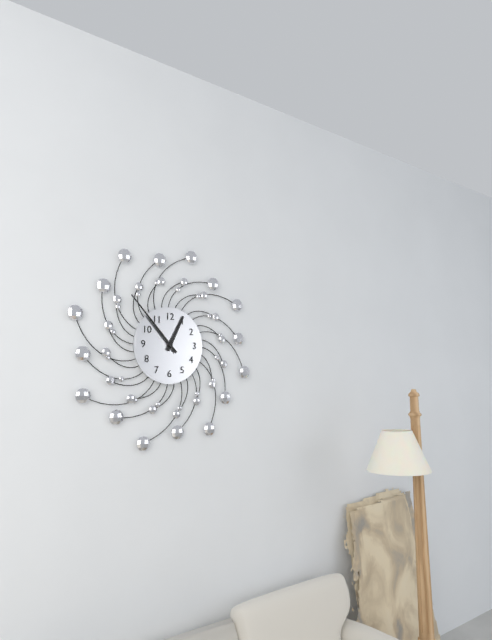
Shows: {"hour": 12, "minute": 53}
